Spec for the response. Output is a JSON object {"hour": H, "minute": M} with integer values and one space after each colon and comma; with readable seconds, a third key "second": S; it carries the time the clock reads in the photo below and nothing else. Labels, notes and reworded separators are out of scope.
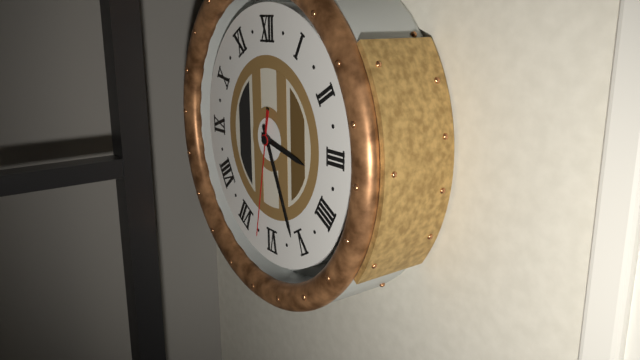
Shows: {"hour": 3, "minute": 26, "second": 32}
